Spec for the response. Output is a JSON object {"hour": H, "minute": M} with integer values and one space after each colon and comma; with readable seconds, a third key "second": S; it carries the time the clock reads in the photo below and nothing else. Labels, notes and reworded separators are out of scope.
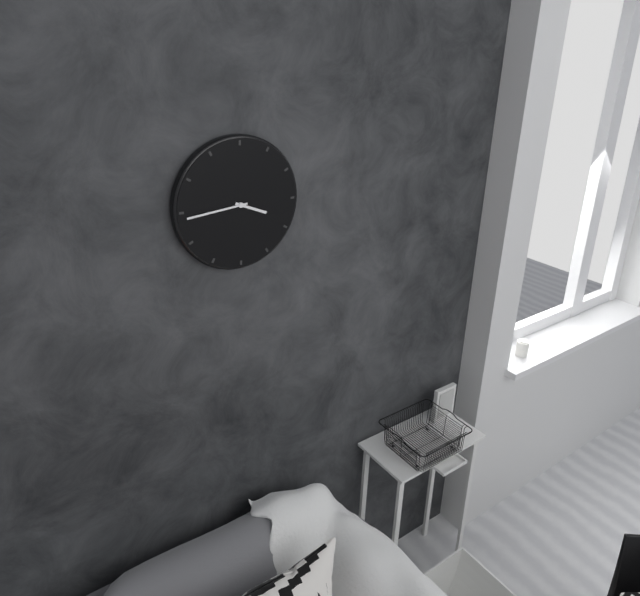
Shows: {"hour": 3, "minute": 44}
